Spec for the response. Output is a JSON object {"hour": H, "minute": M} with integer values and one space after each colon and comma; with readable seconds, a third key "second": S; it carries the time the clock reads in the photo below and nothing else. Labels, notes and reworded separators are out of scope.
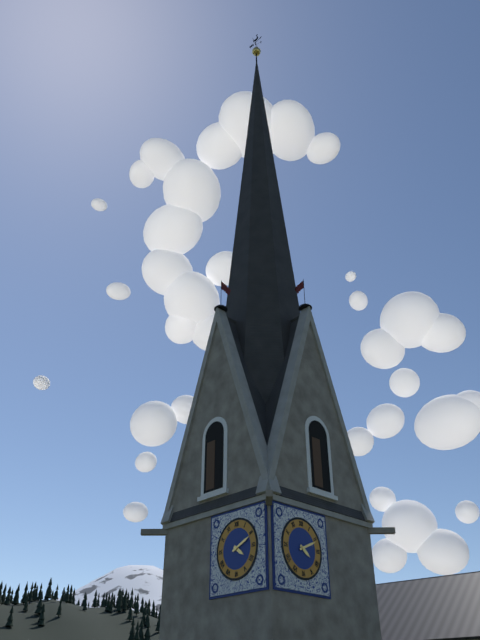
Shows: {"hour": 4, "minute": 11}
